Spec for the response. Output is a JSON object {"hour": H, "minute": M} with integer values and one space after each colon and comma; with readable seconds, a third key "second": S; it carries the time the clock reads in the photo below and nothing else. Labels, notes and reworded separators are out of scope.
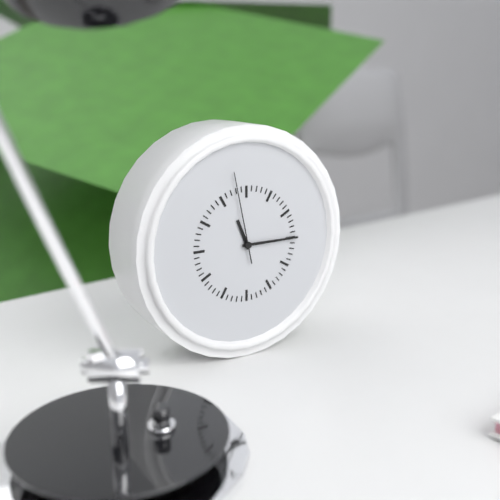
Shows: {"hour": 11, "minute": 15, "second": 58}
